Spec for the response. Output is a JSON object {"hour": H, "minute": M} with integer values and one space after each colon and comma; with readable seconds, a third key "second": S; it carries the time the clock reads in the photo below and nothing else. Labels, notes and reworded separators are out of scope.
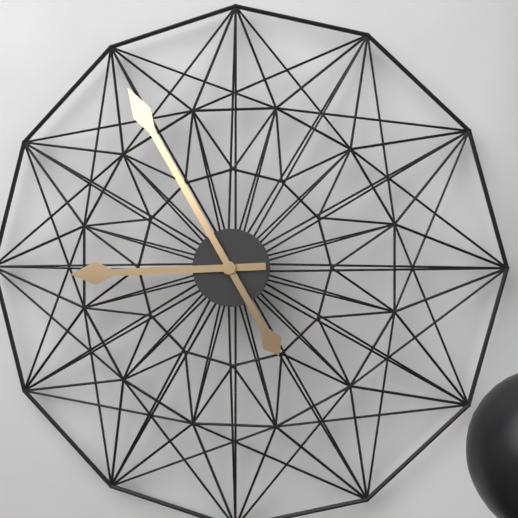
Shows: {"hour": 8, "minute": 55}
